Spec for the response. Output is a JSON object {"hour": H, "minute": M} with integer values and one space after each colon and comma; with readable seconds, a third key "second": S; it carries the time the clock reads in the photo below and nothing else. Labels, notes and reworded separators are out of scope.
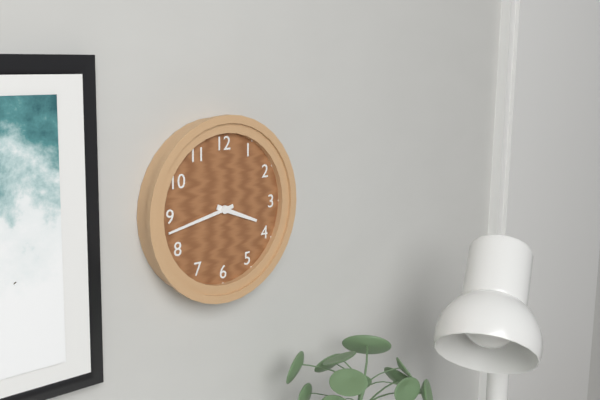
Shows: {"hour": 3, "minute": 43}
